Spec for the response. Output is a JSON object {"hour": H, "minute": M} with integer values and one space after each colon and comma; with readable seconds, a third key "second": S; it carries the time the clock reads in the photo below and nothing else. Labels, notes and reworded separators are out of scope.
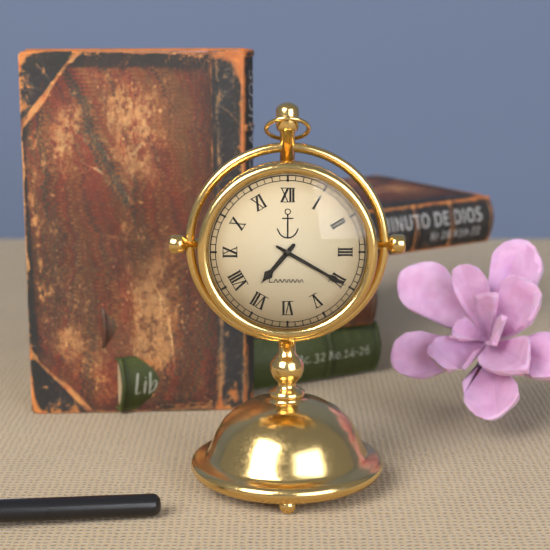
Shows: {"hour": 7, "minute": 20}
